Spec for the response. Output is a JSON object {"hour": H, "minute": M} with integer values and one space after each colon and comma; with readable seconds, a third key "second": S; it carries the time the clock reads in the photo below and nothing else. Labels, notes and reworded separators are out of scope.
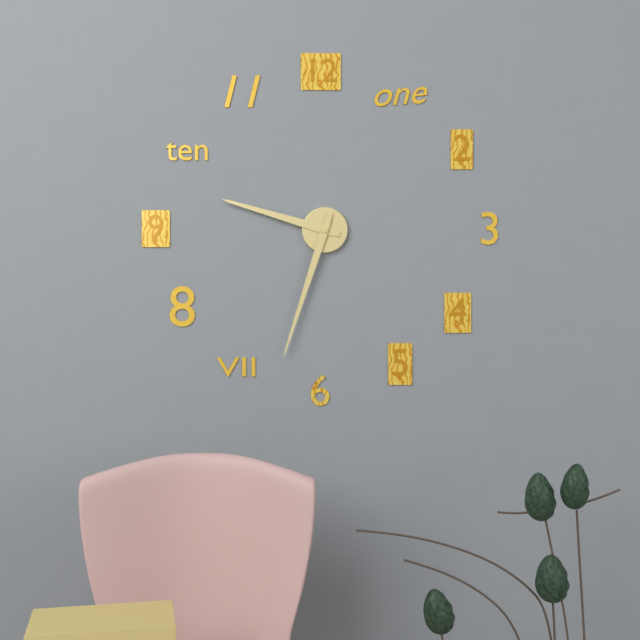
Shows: {"hour": 9, "minute": 33}
